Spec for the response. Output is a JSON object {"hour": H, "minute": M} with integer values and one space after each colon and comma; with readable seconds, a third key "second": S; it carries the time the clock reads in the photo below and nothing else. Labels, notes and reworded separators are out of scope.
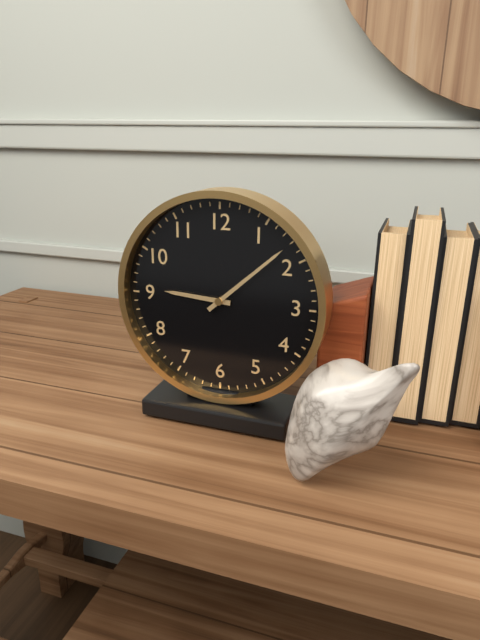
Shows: {"hour": 9, "minute": 8}
